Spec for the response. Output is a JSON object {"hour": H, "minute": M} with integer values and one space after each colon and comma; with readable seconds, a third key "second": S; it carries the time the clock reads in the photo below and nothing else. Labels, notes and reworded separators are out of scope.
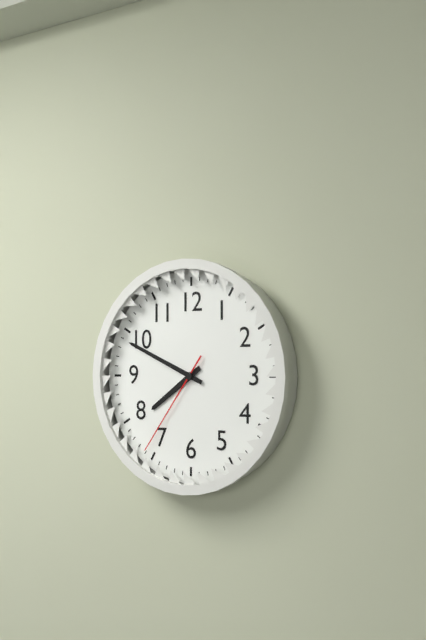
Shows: {"hour": 7, "minute": 49, "second": 36}
